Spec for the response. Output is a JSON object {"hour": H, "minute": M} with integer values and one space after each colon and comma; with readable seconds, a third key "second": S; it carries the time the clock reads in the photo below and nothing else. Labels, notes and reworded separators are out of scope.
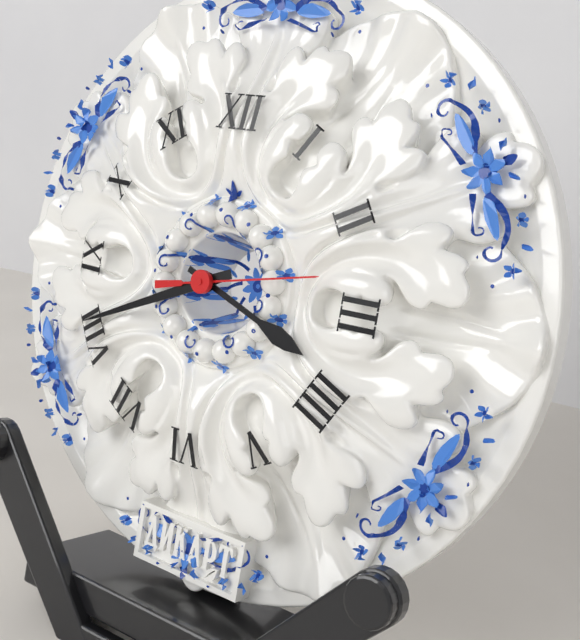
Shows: {"hour": 3, "minute": 41, "second": 13}
